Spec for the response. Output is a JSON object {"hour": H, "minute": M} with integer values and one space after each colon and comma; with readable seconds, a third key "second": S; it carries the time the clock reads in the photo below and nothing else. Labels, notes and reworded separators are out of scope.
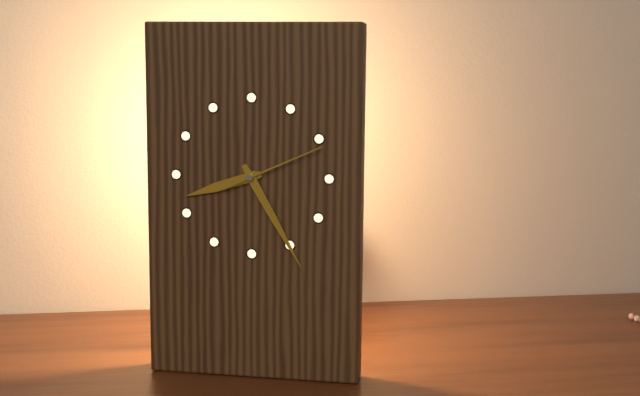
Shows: {"hour": 8, "minute": 25, "second": 11}
